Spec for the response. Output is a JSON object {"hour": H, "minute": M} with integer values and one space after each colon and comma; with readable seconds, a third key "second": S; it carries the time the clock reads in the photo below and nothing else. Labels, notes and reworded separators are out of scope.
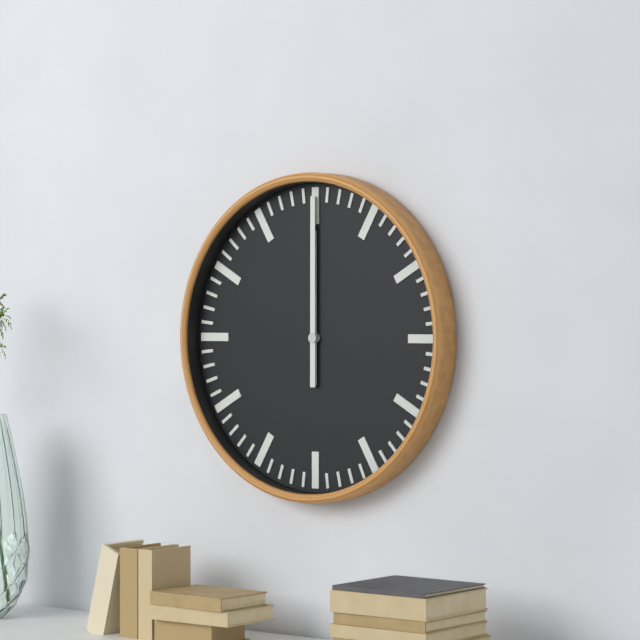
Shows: {"hour": 12, "minute": 0}
